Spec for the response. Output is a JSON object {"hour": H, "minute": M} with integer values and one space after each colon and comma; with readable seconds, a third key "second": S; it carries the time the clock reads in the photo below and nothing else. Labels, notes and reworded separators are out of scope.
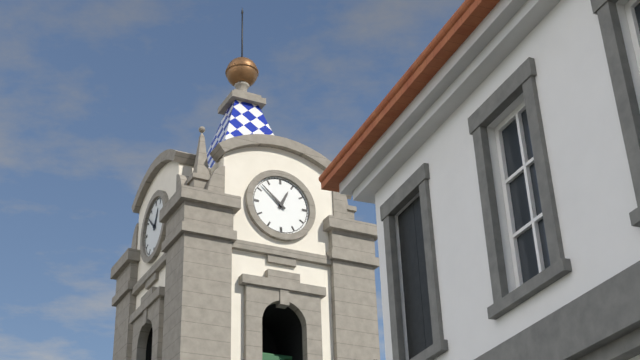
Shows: {"hour": 12, "minute": 52}
